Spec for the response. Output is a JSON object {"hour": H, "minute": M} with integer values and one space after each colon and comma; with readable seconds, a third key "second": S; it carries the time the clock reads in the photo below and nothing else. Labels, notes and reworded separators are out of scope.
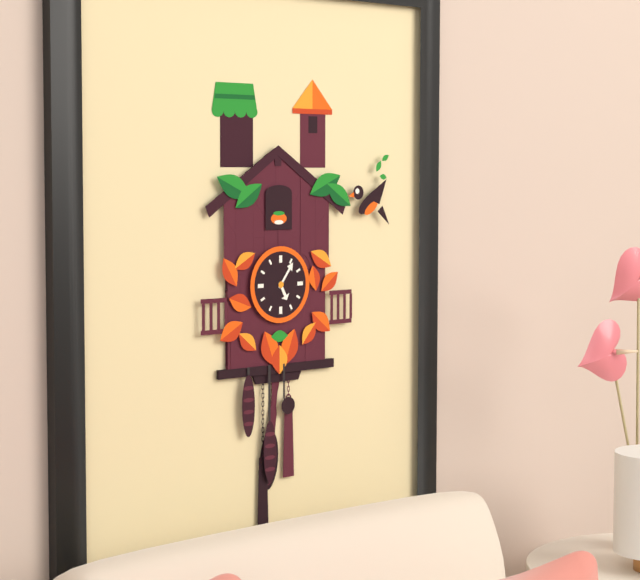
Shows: {"hour": 5, "minute": 6}
